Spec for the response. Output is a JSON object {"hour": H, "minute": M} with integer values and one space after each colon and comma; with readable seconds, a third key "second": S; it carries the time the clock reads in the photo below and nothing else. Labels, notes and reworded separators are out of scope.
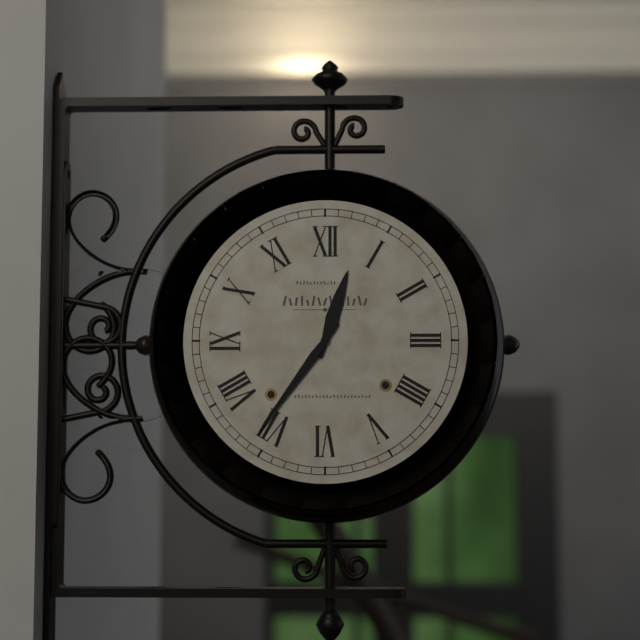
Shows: {"hour": 12, "minute": 36}
